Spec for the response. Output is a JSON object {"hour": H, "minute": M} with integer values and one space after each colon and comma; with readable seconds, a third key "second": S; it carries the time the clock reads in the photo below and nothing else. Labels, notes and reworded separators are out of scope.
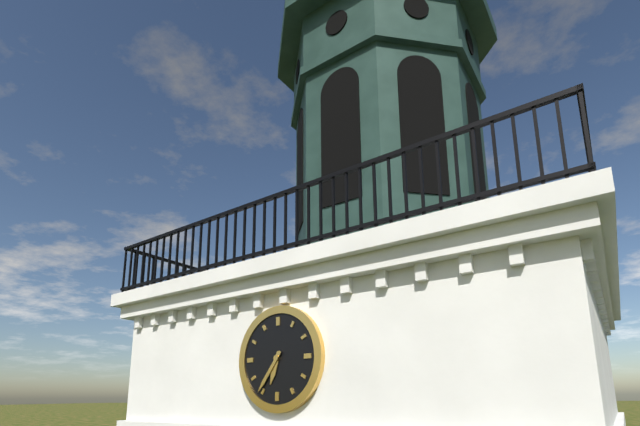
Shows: {"hour": 6, "minute": 36}
